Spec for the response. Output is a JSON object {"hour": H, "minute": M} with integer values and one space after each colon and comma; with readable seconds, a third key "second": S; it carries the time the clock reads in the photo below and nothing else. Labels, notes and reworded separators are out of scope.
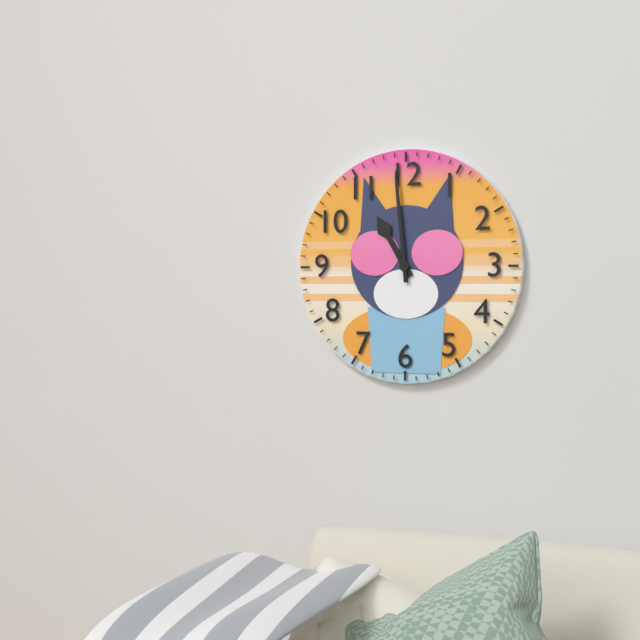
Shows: {"hour": 10, "minute": 59}
